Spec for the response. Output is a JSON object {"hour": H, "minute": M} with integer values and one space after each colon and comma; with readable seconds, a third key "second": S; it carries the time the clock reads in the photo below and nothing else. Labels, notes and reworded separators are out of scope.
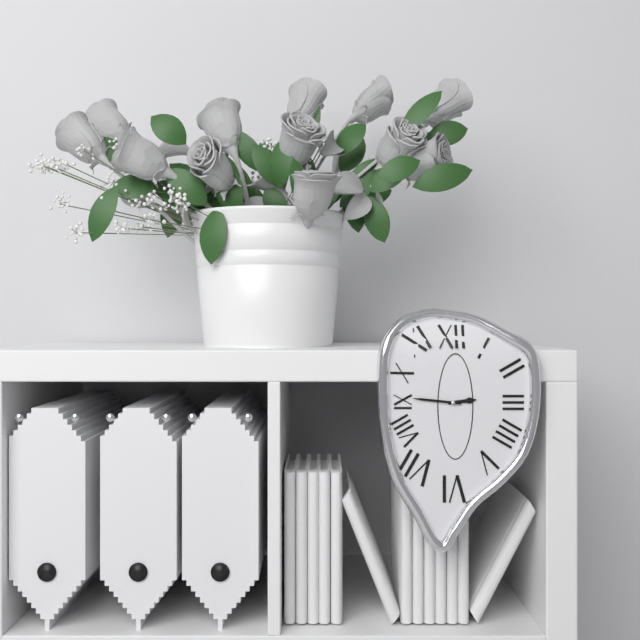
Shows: {"hour": 2, "minute": 46}
